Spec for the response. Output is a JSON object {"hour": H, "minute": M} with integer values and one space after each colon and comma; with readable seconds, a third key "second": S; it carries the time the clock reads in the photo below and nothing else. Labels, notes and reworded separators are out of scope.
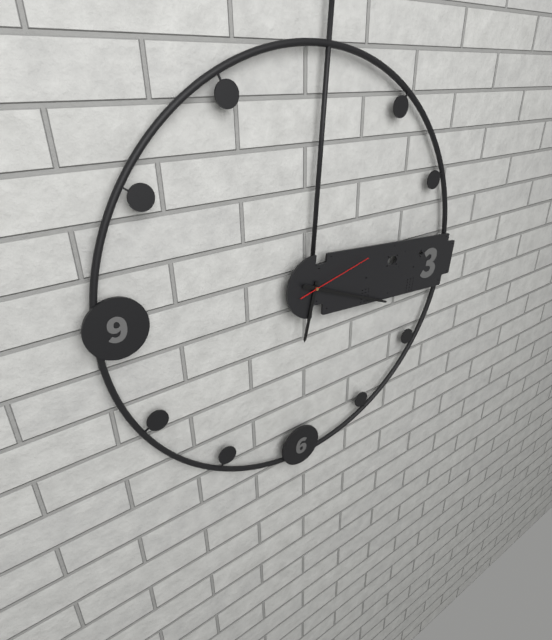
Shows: {"hour": 6, "minute": 18, "second": 12}
